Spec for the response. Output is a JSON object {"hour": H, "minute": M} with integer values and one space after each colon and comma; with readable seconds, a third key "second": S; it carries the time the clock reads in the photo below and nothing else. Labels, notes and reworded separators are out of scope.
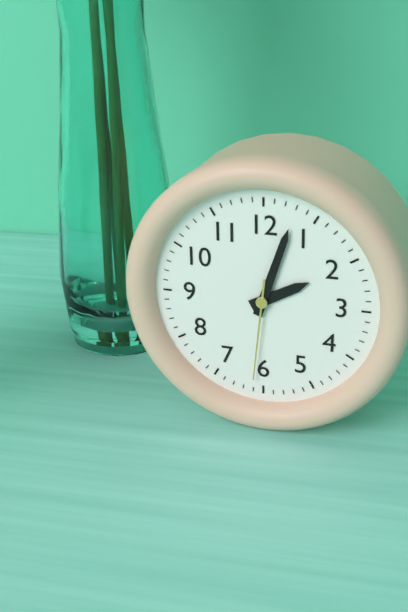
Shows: {"hour": 2, "minute": 3, "second": 31}
